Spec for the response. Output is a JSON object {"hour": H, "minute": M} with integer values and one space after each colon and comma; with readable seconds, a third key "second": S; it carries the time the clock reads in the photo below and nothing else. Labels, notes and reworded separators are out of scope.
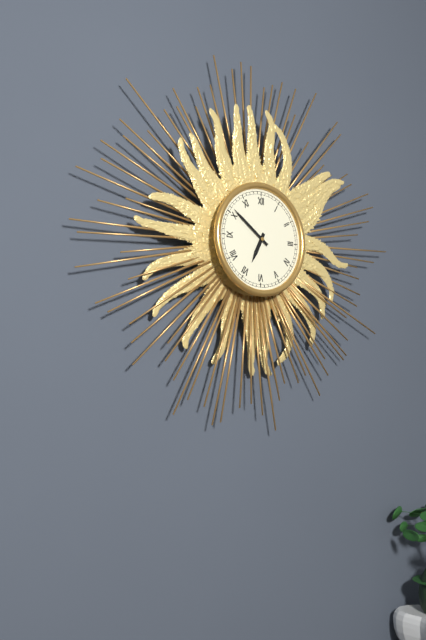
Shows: {"hour": 6, "minute": 51}
